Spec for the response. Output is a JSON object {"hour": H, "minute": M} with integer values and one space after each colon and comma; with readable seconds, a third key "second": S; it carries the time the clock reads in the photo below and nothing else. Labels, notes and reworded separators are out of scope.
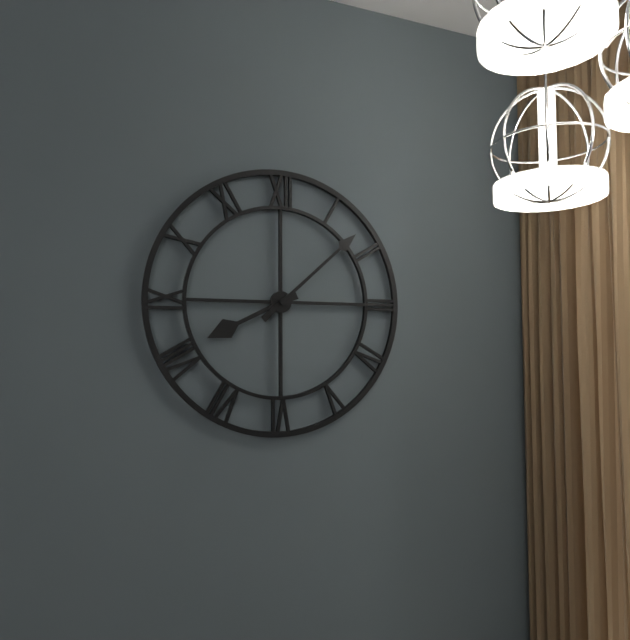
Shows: {"hour": 8, "minute": 8}
